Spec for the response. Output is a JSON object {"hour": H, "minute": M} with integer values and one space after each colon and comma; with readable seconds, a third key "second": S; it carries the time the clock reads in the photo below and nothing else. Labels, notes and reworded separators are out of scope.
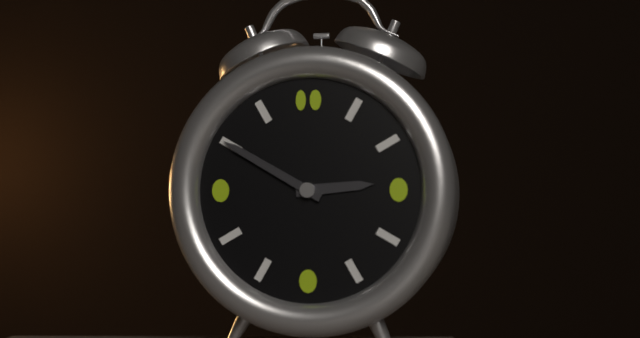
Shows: {"hour": 2, "minute": 50}
